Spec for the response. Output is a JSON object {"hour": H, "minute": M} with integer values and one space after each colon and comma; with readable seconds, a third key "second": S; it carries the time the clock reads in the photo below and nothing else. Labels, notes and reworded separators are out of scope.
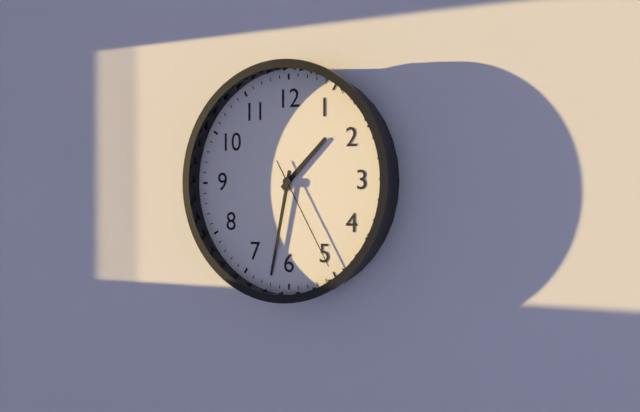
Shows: {"hour": 1, "minute": 32, "second": 25}
